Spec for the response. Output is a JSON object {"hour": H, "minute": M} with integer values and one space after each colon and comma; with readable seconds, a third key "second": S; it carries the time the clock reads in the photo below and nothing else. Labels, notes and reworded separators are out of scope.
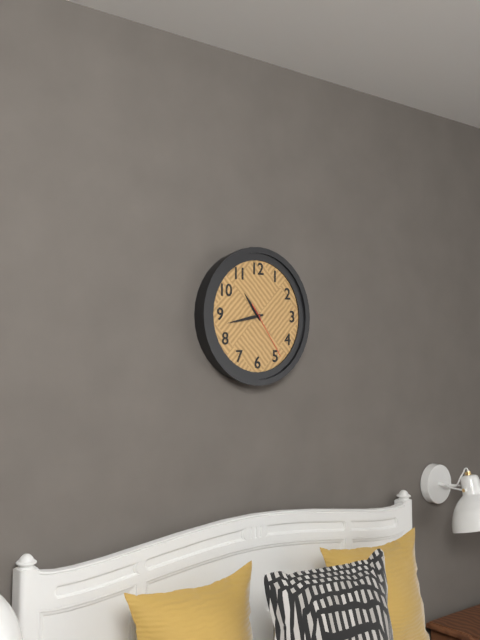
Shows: {"hour": 10, "minute": 43, "second": 24}
